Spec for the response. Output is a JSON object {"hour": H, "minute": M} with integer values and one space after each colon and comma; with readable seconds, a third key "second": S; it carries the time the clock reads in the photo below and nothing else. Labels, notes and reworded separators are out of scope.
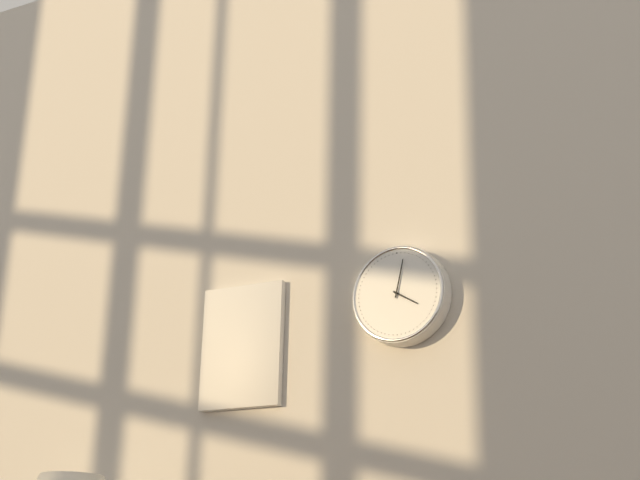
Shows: {"hour": 4, "minute": 2}
